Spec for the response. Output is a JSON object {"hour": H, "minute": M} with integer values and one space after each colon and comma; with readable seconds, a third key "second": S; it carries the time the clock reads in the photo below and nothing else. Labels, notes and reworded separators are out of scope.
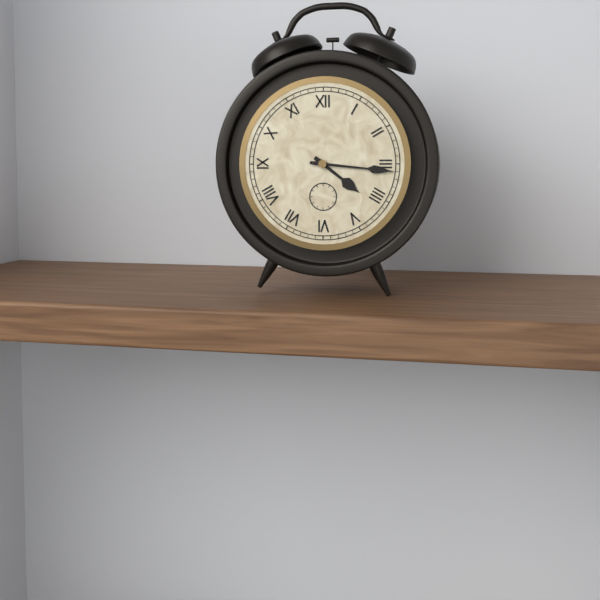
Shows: {"hour": 4, "minute": 16}
